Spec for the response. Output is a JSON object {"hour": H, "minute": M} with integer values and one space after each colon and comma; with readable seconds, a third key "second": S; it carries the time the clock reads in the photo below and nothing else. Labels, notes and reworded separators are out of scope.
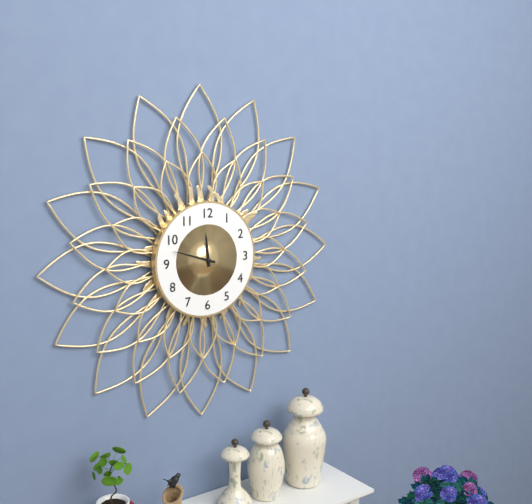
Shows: {"hour": 11, "minute": 48}
